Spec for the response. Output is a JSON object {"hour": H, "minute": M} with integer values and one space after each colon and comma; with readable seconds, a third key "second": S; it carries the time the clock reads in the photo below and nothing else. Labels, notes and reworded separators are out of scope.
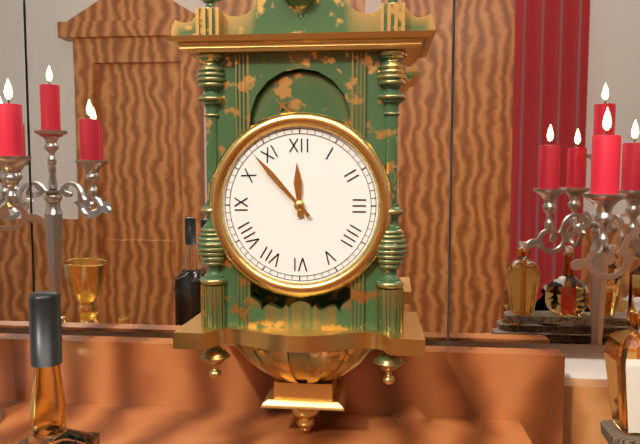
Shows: {"hour": 11, "minute": 53}
